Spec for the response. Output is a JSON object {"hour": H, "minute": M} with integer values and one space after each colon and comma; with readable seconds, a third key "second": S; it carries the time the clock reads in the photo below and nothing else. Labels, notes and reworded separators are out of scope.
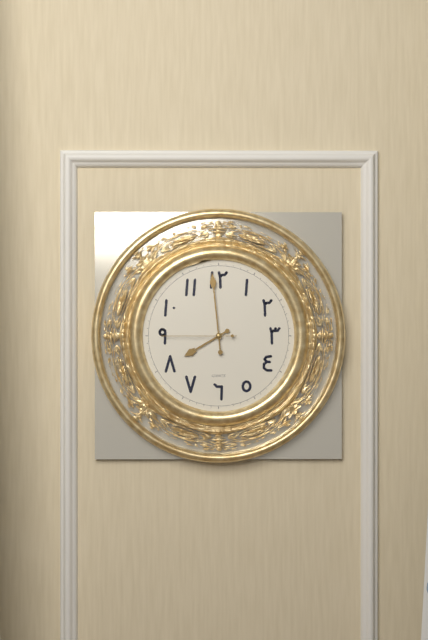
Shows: {"hour": 7, "minute": 59, "second": 45}
